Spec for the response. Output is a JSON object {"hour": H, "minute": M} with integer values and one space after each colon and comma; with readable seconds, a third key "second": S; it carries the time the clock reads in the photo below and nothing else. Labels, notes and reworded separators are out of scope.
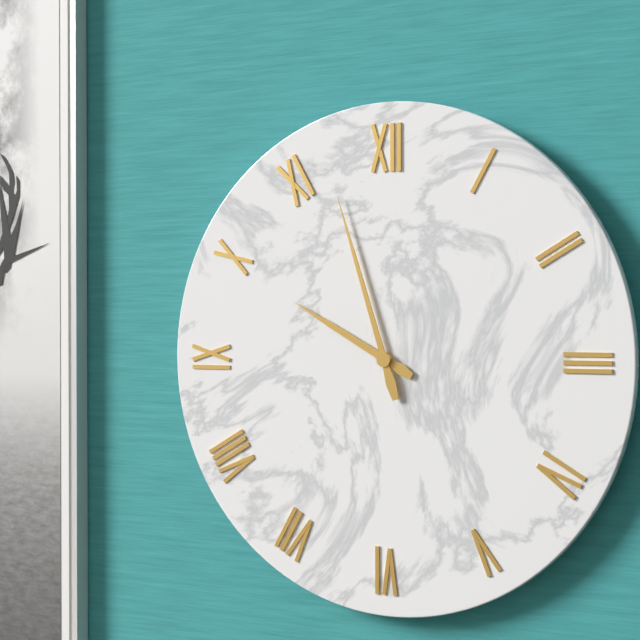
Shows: {"hour": 9, "minute": 57}
